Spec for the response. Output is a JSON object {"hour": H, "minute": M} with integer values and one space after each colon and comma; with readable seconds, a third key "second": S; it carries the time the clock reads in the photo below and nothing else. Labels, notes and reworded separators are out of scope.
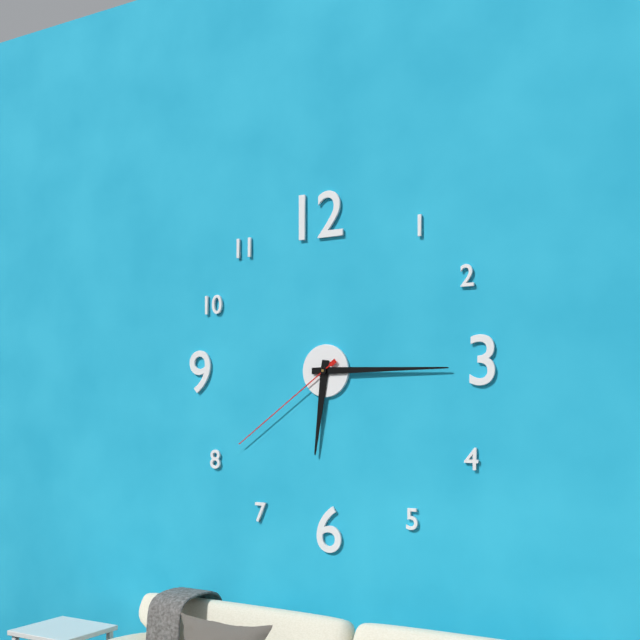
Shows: {"hour": 6, "minute": 15, "second": 39}
